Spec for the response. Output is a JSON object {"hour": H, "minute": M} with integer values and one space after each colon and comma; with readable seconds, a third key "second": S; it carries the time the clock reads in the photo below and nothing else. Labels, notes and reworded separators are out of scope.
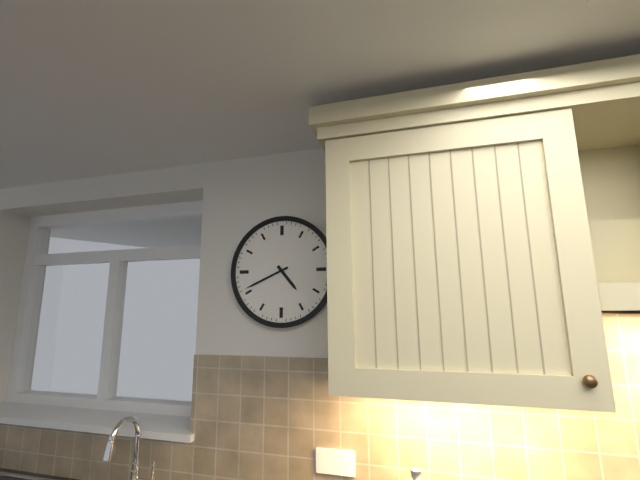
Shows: {"hour": 4, "minute": 41}
